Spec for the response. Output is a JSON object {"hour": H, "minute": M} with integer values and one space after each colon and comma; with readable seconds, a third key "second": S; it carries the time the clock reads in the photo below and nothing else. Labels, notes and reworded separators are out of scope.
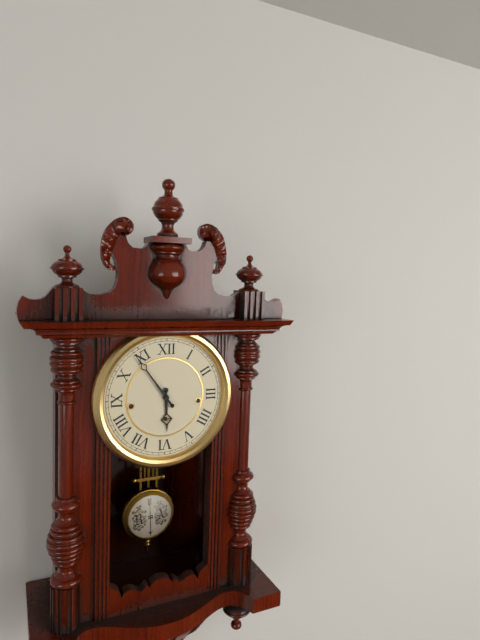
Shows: {"hour": 5, "minute": 54}
